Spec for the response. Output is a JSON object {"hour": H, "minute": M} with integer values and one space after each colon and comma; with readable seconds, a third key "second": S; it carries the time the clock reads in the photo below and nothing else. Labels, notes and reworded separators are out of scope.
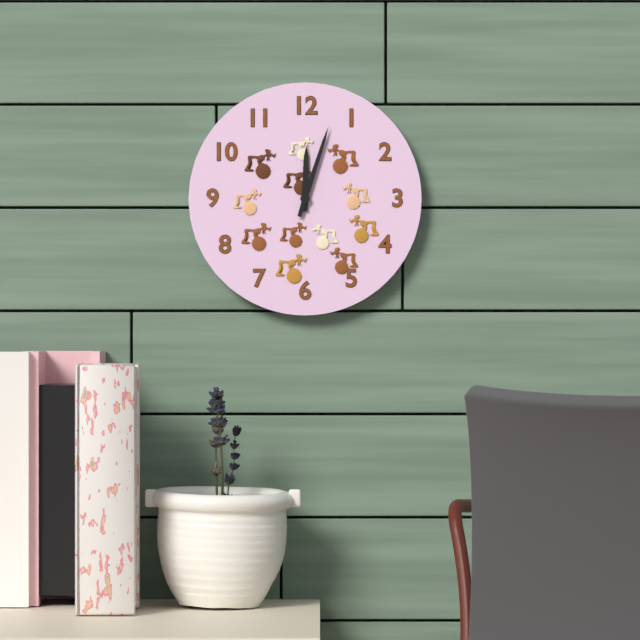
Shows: {"hour": 12, "minute": 3}
